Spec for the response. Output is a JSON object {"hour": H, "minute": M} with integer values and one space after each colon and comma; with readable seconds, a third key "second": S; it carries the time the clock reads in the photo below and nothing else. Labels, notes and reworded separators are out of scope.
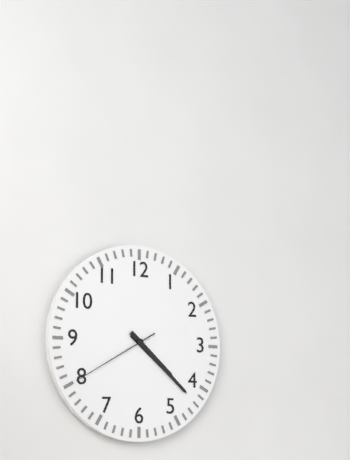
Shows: {"hour": 4, "minute": 22, "second": 40}
